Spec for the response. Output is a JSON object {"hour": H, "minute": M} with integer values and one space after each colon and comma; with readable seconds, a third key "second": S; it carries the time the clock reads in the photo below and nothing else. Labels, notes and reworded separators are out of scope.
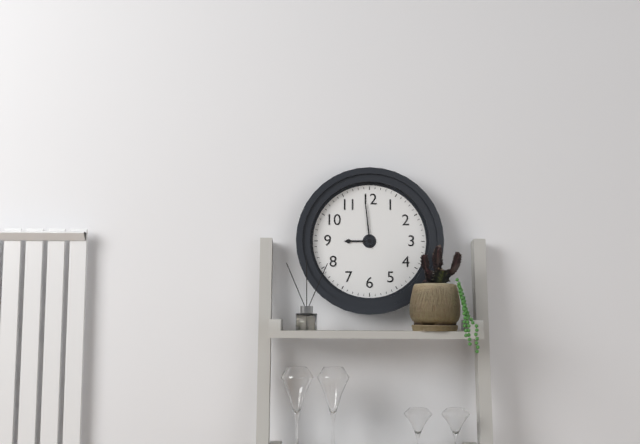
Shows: {"hour": 8, "minute": 59}
